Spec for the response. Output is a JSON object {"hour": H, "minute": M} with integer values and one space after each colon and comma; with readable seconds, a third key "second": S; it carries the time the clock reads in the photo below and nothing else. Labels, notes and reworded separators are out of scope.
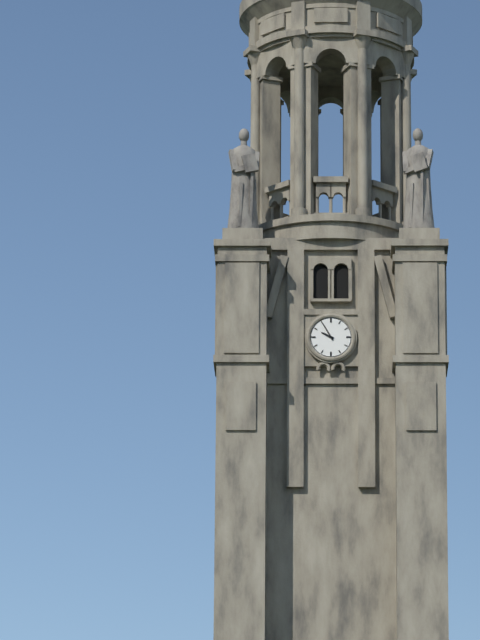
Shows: {"hour": 9, "minute": 55}
